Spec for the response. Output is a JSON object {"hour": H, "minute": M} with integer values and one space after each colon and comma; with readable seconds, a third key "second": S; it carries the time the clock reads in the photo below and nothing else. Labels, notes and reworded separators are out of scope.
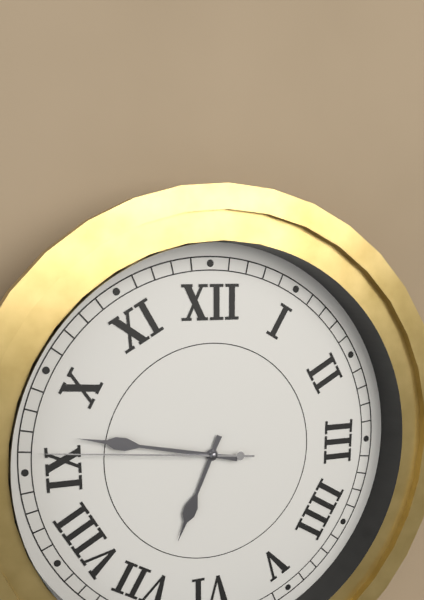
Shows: {"hour": 6, "minute": 47, "second": 46}
